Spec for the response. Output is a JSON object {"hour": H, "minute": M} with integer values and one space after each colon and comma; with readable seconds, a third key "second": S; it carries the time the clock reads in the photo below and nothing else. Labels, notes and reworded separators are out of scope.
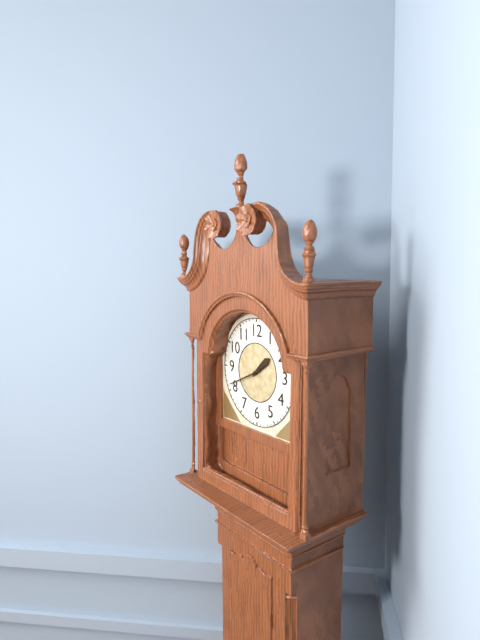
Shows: {"hour": 1, "minute": 41}
